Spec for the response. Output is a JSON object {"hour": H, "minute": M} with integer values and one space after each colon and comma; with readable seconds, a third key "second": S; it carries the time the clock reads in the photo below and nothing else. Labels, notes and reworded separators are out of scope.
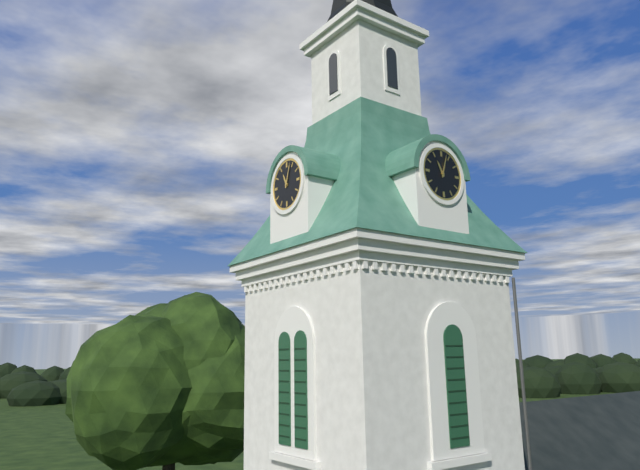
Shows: {"hour": 11, "minute": 3}
